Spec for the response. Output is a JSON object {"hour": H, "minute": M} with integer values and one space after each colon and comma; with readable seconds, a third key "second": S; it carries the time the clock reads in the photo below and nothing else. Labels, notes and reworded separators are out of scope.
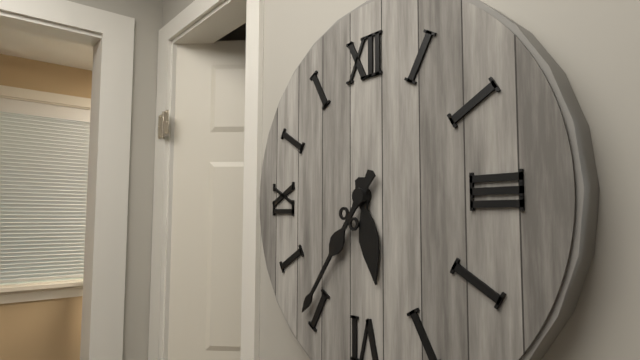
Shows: {"hour": 5, "minute": 36}
